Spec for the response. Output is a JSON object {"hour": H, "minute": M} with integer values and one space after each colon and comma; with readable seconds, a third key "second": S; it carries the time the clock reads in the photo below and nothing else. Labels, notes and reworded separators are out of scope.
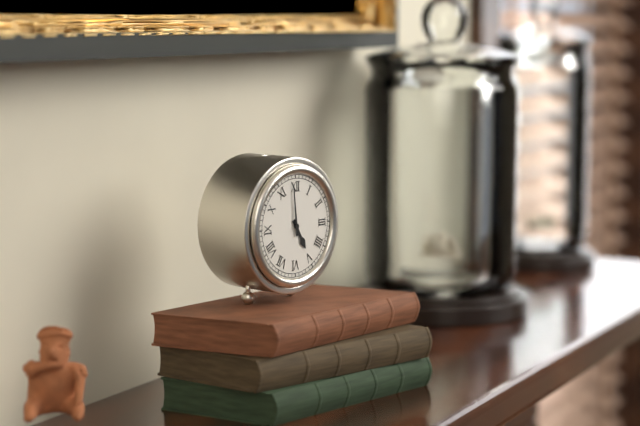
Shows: {"hour": 4, "minute": 59}
